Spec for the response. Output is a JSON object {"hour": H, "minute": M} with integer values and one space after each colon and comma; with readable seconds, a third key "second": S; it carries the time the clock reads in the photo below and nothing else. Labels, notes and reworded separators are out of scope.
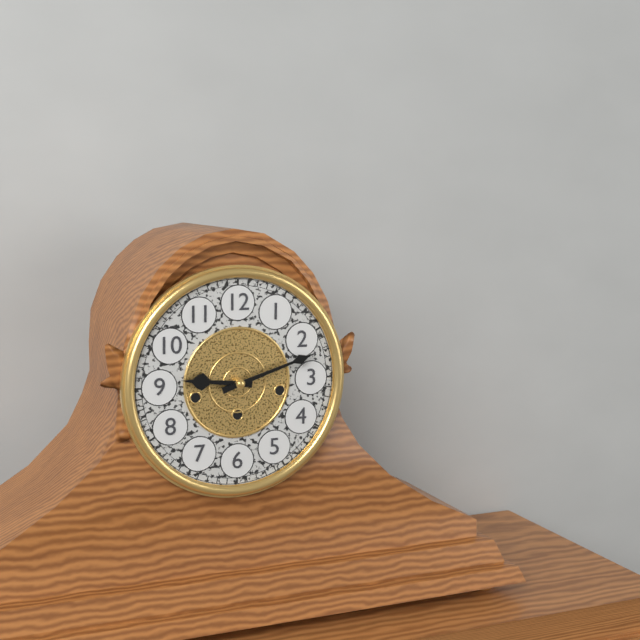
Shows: {"hour": 9, "minute": 12}
